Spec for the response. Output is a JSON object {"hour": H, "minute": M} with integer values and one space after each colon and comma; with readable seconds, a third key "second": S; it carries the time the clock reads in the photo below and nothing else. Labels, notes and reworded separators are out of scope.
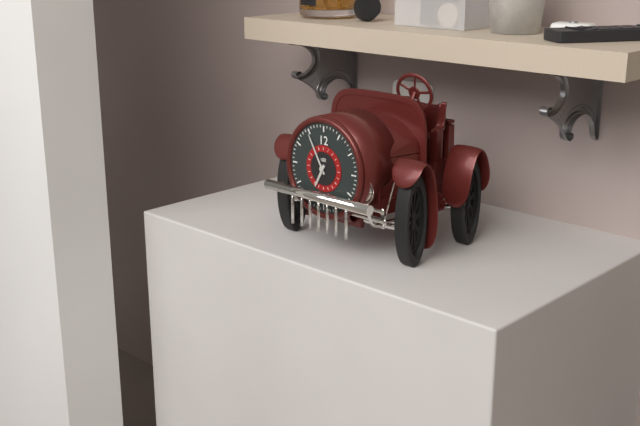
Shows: {"hour": 6, "minute": 55}
